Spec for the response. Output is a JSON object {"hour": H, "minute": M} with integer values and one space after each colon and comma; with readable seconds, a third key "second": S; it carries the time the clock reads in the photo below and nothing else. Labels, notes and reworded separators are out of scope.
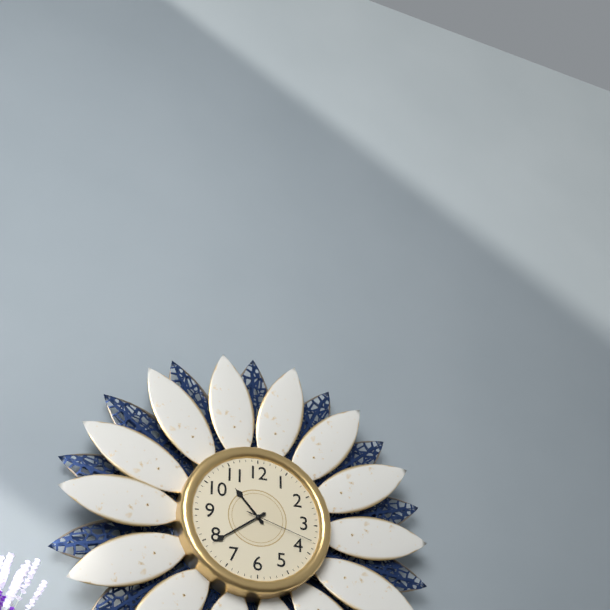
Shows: {"hour": 10, "minute": 39, "second": 18}
